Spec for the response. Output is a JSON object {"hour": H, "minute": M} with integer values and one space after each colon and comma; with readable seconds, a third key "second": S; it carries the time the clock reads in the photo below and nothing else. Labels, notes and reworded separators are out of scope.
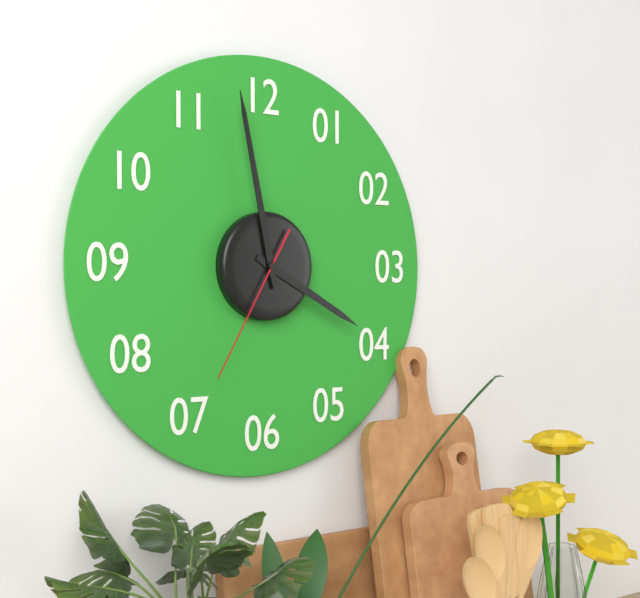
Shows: {"hour": 3, "minute": 58, "second": 35}
